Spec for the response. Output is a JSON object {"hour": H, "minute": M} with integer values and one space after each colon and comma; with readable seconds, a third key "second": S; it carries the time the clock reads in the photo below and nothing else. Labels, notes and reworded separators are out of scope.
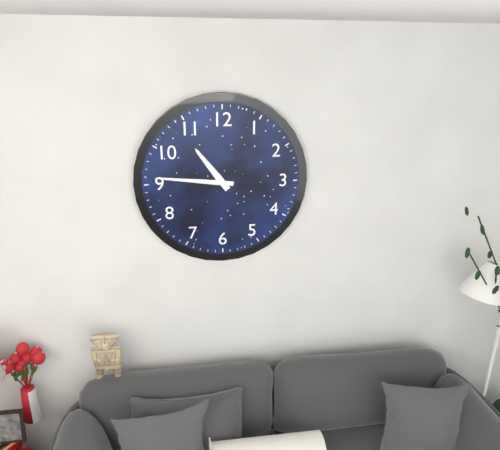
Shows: {"hour": 10, "minute": 46}
